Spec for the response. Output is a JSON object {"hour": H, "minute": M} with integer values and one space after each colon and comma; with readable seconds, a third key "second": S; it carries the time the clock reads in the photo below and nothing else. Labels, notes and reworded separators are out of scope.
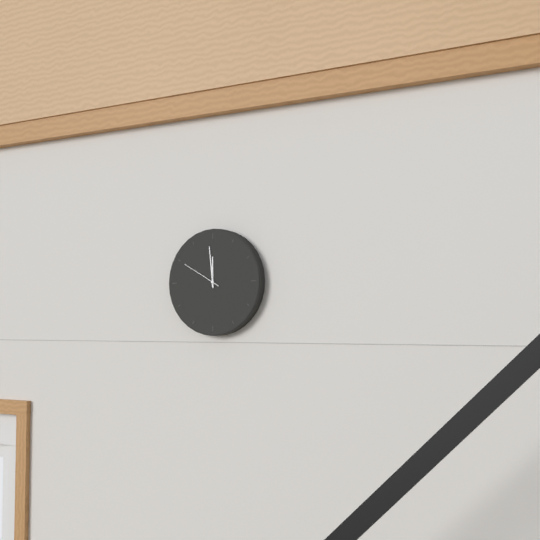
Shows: {"hour": 11, "minute": 59}
